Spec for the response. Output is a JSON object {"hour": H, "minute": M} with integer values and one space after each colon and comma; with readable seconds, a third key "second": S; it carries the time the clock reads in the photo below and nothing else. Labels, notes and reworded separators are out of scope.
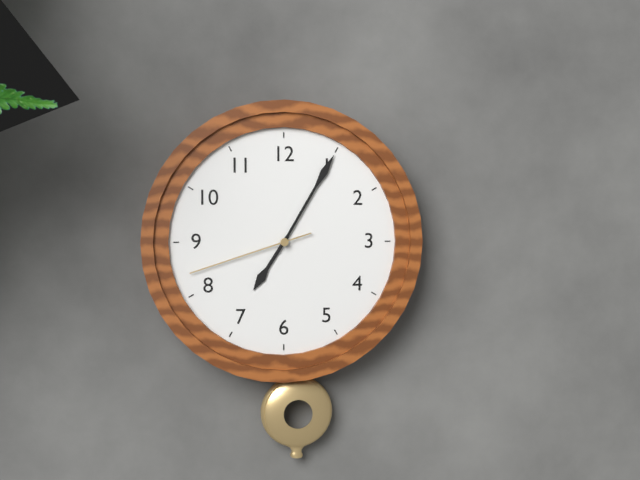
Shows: {"hour": 7, "minute": 5, "second": 42}
